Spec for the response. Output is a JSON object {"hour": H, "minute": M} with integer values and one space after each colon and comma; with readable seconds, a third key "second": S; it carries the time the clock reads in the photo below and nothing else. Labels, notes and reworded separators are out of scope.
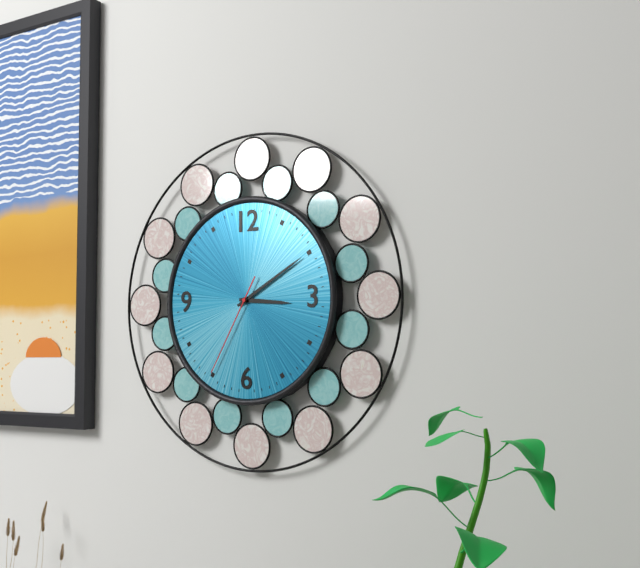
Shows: {"hour": 3, "minute": 10, "second": 35}
